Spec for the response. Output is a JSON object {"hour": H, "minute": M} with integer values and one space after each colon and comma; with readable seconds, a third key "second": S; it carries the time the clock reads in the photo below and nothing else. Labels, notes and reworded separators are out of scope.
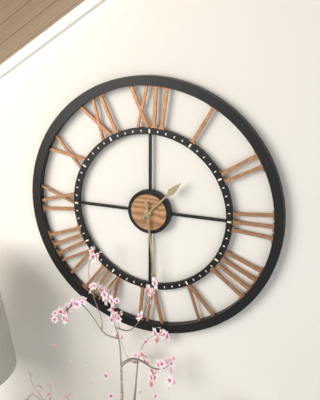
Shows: {"hour": 1, "minute": 29}
